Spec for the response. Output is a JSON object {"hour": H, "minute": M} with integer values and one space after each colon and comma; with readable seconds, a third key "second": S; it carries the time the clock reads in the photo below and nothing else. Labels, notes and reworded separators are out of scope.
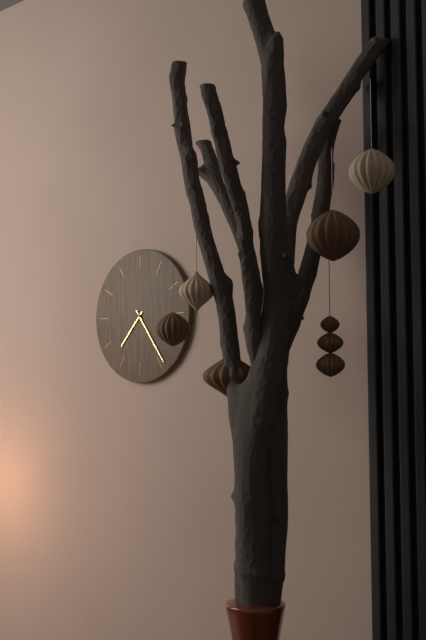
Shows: {"hour": 7, "minute": 24}
